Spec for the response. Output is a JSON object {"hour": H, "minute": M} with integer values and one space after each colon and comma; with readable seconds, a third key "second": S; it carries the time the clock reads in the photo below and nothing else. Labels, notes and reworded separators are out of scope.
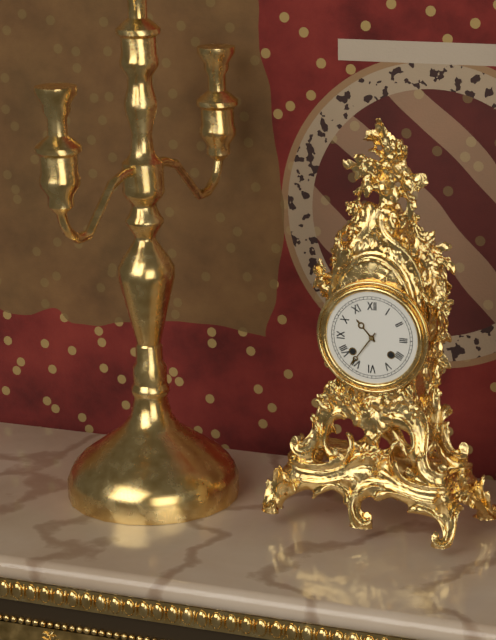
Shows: {"hour": 10, "minute": 36}
